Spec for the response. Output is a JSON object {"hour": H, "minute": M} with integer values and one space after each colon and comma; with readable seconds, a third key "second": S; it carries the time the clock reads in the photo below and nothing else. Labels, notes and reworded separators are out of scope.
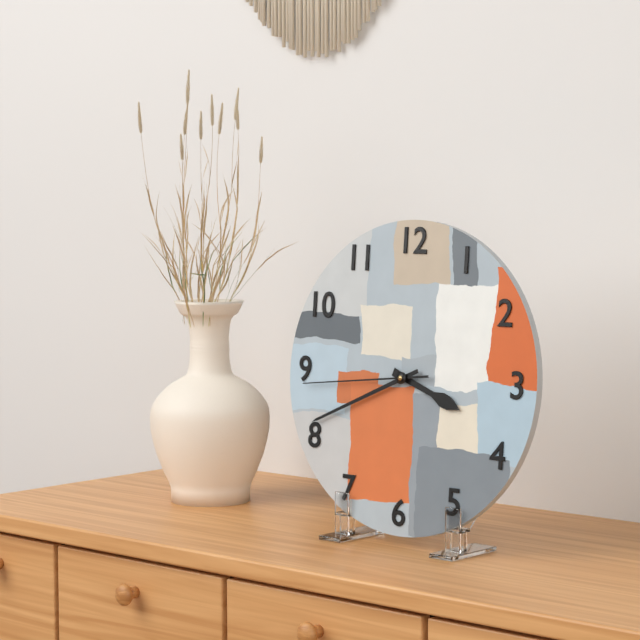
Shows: {"hour": 3, "minute": 41, "second": 44}
